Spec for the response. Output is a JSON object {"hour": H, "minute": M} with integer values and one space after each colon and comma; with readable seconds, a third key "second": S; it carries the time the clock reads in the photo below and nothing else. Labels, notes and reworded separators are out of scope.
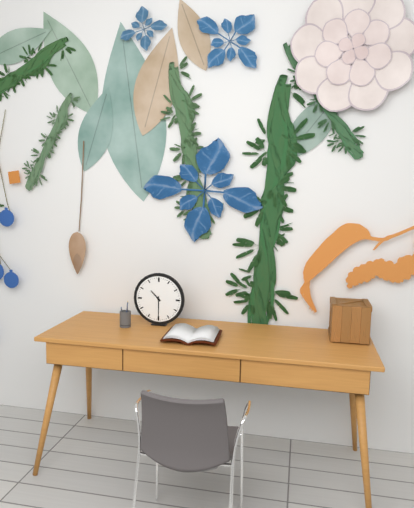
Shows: {"hour": 10, "minute": 30}
